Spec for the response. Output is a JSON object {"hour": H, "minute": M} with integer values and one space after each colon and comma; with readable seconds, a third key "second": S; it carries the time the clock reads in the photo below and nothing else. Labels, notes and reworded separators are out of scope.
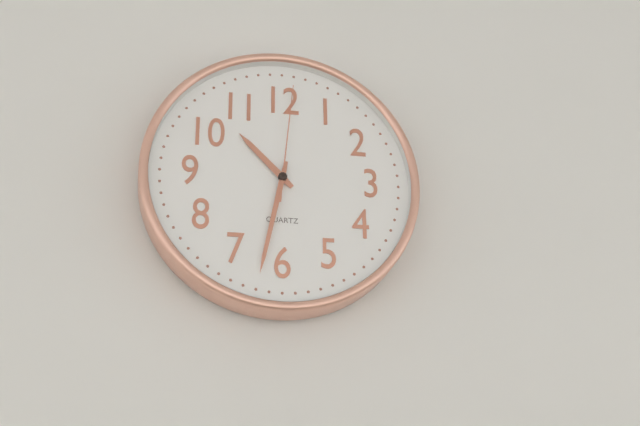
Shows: {"hour": 10, "minute": 32, "second": 1}
